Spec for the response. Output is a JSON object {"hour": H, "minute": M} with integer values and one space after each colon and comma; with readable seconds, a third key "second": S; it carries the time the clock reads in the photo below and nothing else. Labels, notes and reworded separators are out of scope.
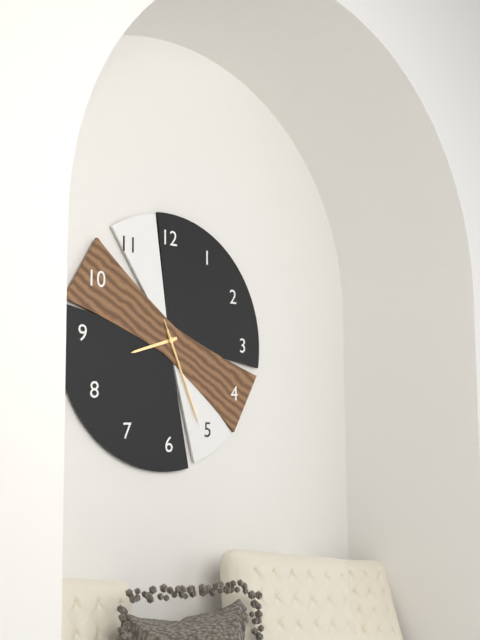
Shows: {"hour": 8, "minute": 26, "second": 26}
